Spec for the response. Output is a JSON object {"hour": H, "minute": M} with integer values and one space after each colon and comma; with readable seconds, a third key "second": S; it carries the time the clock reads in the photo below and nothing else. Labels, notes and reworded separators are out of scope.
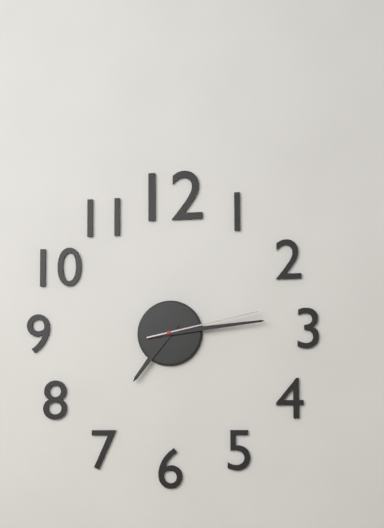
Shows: {"hour": 7, "minute": 14, "second": 13}
